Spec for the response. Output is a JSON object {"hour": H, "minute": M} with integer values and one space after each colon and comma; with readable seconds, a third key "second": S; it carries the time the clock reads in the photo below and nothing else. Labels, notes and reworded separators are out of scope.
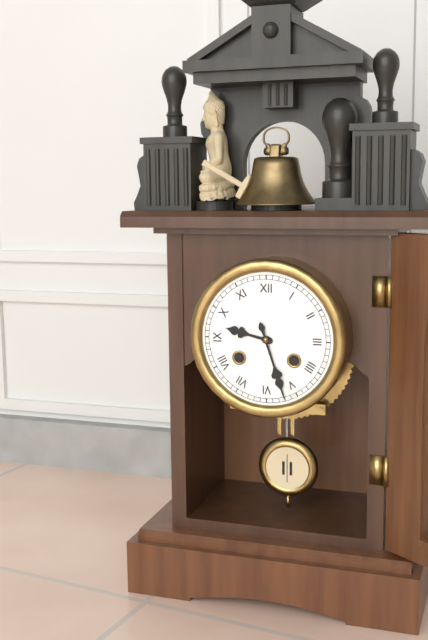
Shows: {"hour": 9, "minute": 27}
